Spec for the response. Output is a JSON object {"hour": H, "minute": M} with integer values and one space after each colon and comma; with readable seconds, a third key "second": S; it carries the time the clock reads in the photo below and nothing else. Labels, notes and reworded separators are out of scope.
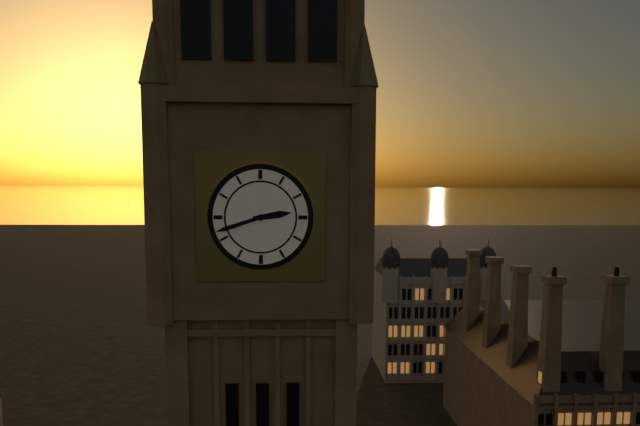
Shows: {"hour": 2, "minute": 42}
